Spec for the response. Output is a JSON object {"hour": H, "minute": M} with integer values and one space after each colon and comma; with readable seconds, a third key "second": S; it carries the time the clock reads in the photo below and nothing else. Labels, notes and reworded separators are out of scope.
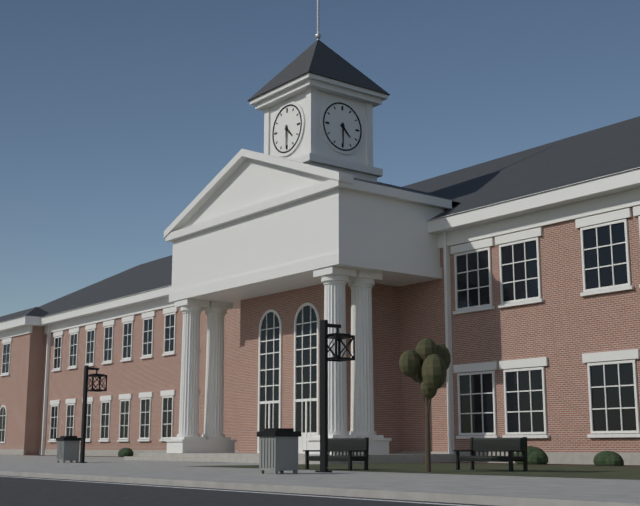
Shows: {"hour": 4, "minute": 30}
